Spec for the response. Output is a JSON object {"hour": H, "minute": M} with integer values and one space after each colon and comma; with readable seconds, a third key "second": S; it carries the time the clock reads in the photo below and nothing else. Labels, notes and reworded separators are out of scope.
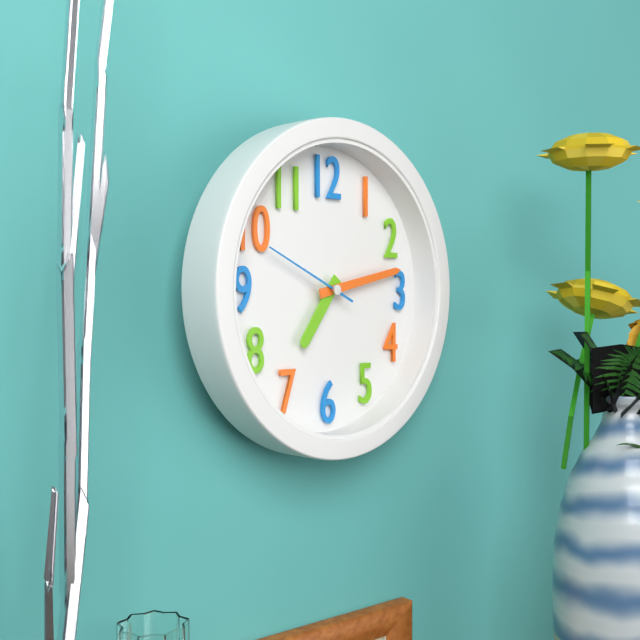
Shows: {"hour": 7, "minute": 13, "second": 49}
